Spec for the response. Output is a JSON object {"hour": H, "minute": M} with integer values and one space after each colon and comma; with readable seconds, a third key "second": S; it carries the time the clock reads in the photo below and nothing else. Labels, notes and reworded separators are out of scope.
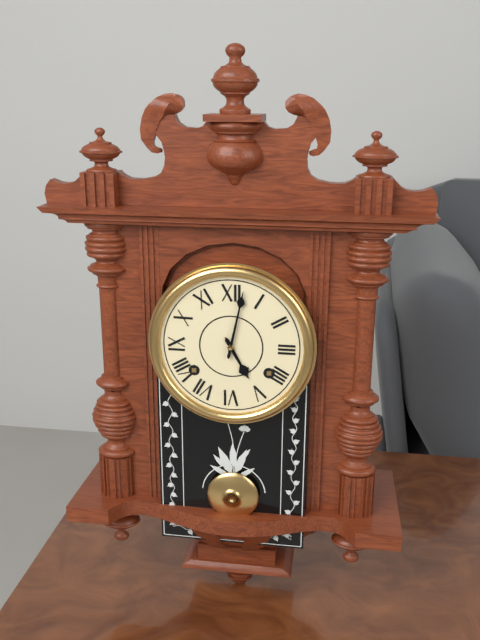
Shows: {"hour": 5, "minute": 2}
